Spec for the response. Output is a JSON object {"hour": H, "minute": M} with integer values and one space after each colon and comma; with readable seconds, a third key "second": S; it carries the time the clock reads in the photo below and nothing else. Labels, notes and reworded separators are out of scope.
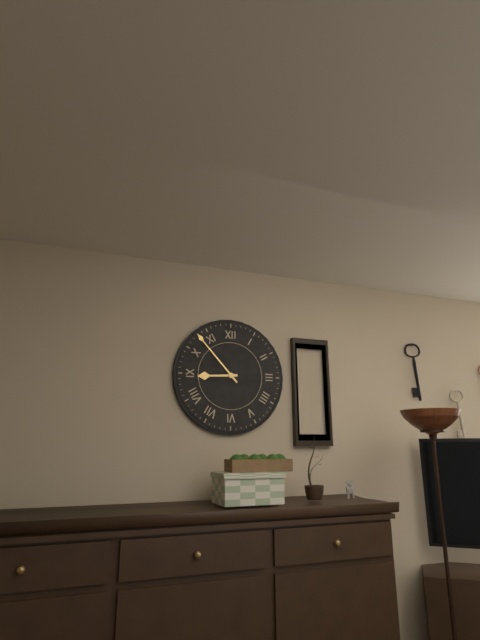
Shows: {"hour": 8, "minute": 53}
